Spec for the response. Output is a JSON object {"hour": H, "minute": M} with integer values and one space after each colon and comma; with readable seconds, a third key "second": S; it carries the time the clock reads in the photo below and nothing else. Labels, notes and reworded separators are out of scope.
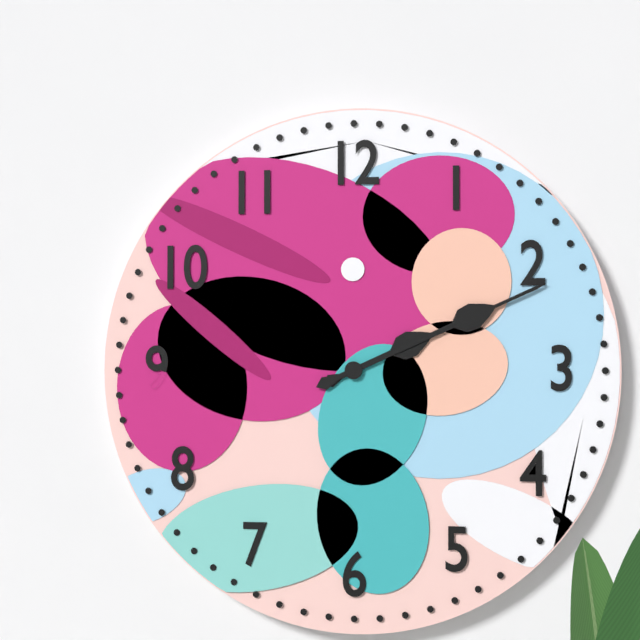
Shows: {"hour": 2, "minute": 11}
